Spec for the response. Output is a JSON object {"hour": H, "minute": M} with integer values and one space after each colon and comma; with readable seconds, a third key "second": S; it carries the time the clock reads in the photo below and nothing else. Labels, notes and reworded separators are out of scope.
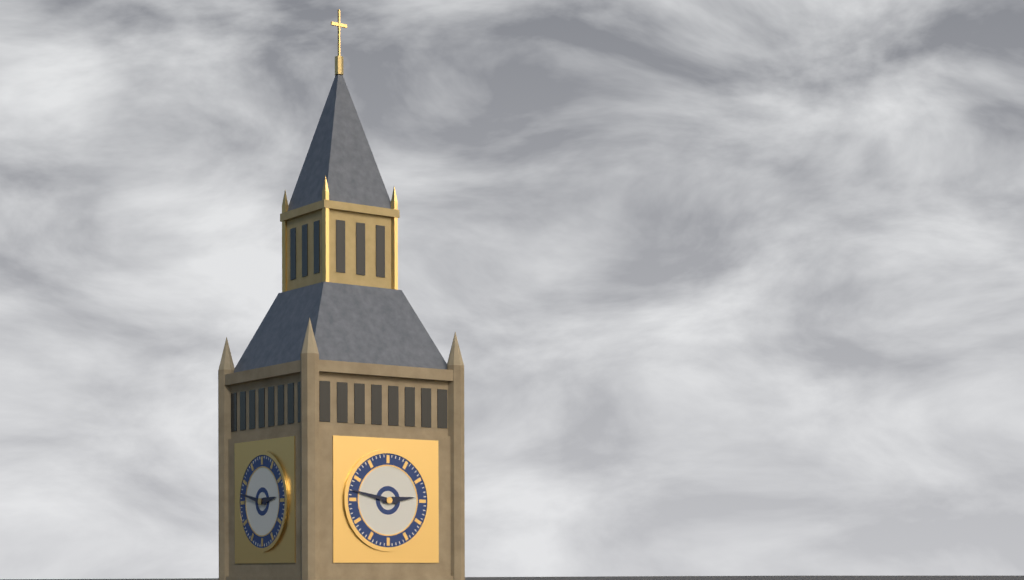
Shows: {"hour": 2, "minute": 47}
